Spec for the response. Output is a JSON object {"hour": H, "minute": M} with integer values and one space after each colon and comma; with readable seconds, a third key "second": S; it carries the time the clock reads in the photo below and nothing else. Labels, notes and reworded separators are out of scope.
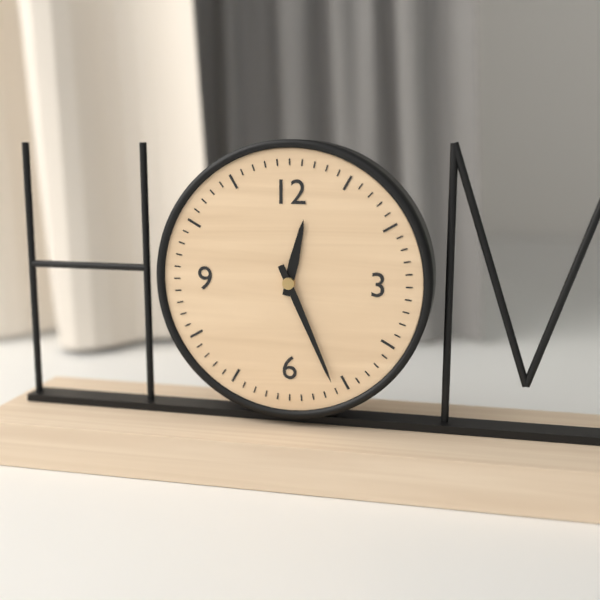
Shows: {"hour": 12, "minute": 26}
